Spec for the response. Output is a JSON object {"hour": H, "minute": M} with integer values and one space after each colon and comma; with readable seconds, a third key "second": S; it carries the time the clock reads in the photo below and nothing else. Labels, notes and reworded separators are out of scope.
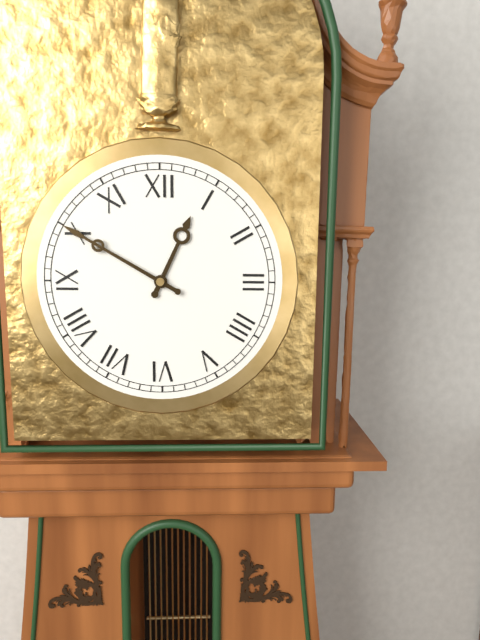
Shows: {"hour": 12, "minute": 50}
